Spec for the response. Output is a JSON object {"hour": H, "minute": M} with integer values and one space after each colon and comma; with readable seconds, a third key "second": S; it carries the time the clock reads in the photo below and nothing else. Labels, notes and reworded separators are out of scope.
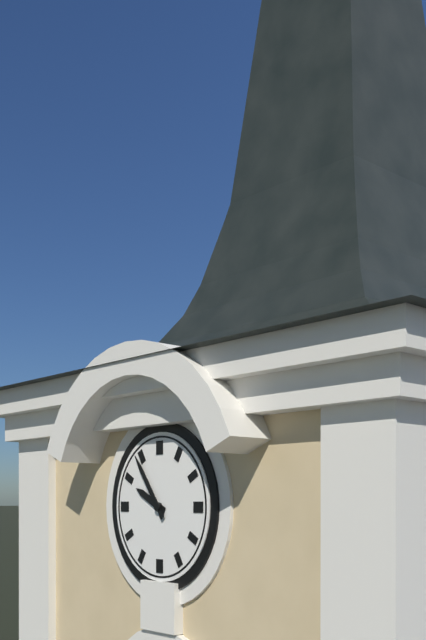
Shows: {"hour": 9, "minute": 54}
